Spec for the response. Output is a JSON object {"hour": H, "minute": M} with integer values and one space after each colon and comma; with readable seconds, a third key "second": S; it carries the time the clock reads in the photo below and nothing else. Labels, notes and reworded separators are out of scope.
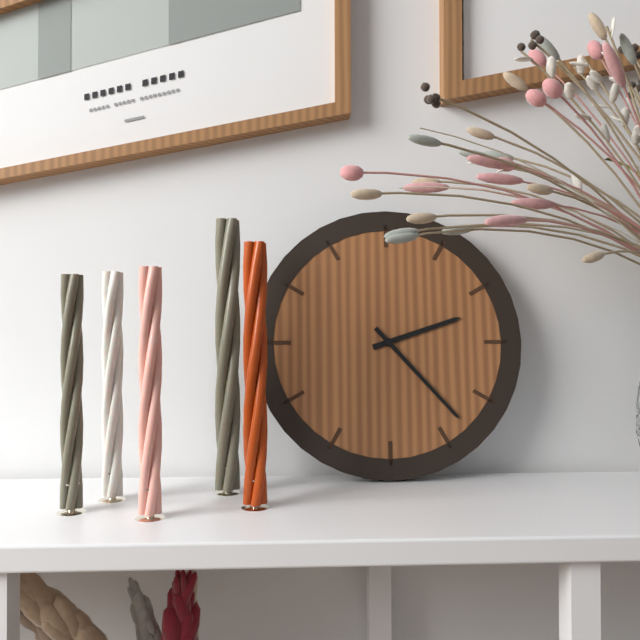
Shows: {"hour": 2, "minute": 23}
